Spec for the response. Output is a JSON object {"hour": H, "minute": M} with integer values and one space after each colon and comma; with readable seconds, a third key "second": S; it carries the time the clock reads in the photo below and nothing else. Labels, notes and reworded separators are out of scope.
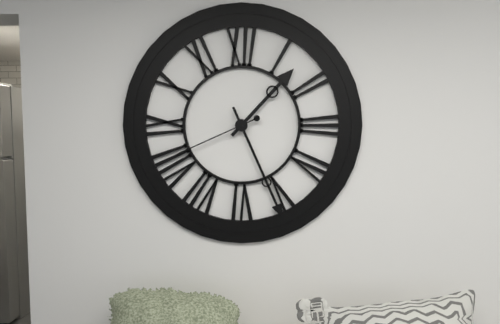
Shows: {"hour": 1, "minute": 26, "second": 41}
